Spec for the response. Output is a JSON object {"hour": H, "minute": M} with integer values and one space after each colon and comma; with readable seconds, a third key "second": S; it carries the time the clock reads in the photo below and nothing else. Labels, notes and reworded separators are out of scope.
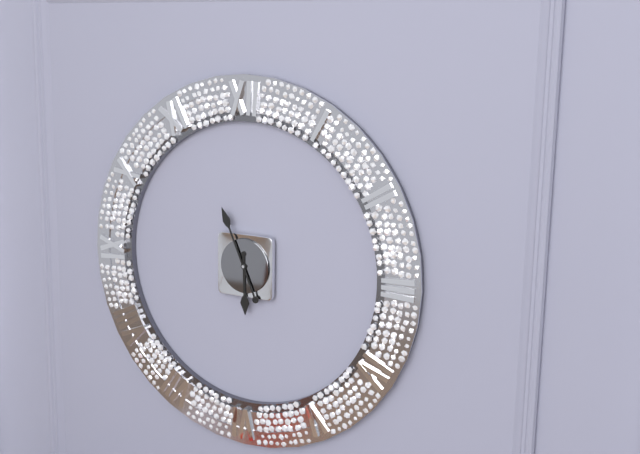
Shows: {"hour": 5, "minute": 56}
